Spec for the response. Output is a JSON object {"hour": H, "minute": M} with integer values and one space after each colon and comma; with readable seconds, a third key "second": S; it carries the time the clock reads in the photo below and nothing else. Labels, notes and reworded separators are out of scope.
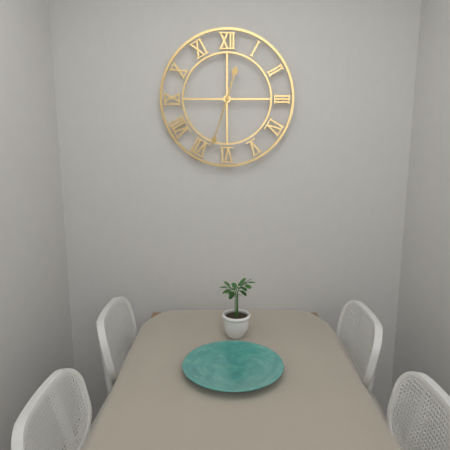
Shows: {"hour": 12, "minute": 33}
